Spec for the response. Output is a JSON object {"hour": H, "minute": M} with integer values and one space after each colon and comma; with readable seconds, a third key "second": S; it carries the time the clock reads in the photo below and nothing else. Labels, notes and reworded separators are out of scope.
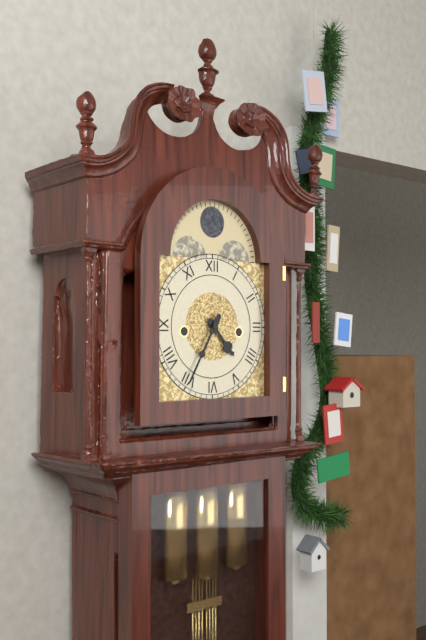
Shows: {"hour": 4, "minute": 35}
